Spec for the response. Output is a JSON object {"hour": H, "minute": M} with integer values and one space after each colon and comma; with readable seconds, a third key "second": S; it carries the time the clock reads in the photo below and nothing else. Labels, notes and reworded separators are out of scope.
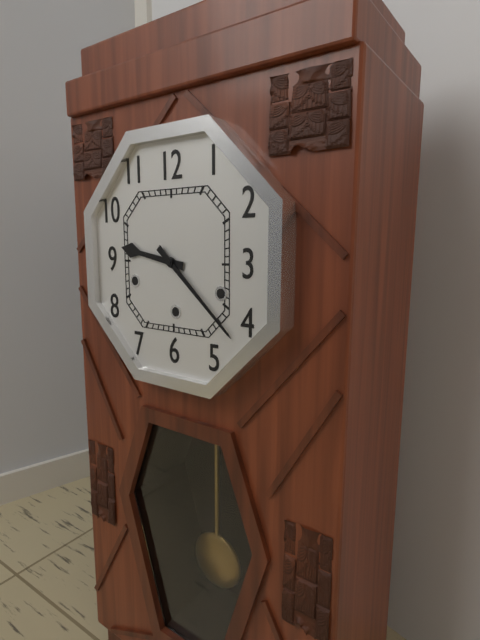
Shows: {"hour": 9, "minute": 22}
